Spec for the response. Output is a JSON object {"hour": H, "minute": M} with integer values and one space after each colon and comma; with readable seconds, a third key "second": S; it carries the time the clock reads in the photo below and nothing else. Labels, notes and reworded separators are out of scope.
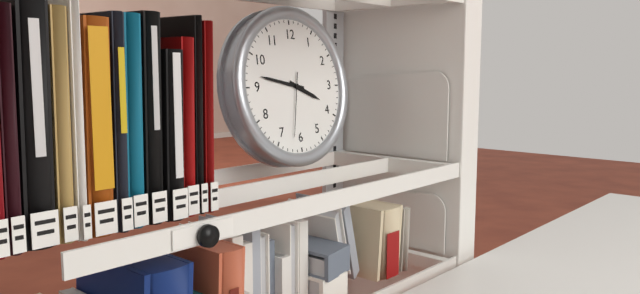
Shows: {"hour": 3, "minute": 47, "second": 32}
